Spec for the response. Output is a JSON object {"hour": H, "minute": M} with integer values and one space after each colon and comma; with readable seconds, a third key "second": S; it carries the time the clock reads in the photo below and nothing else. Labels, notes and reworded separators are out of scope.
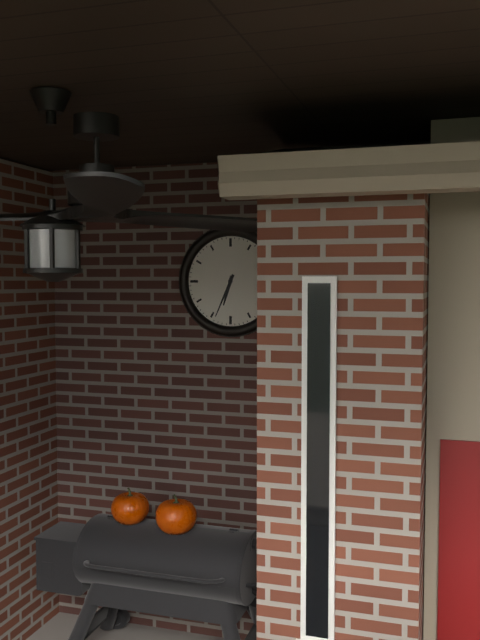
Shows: {"hour": 6, "minute": 34}
